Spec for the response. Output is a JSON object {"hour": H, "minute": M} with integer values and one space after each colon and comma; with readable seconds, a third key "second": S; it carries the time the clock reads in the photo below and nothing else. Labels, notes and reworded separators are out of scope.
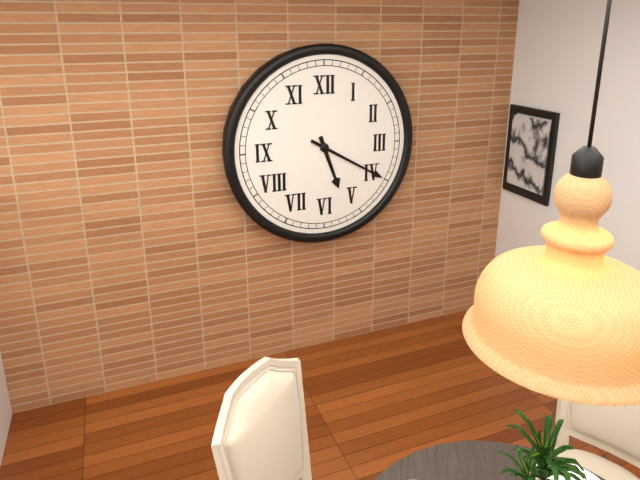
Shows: {"hour": 5, "minute": 20}
